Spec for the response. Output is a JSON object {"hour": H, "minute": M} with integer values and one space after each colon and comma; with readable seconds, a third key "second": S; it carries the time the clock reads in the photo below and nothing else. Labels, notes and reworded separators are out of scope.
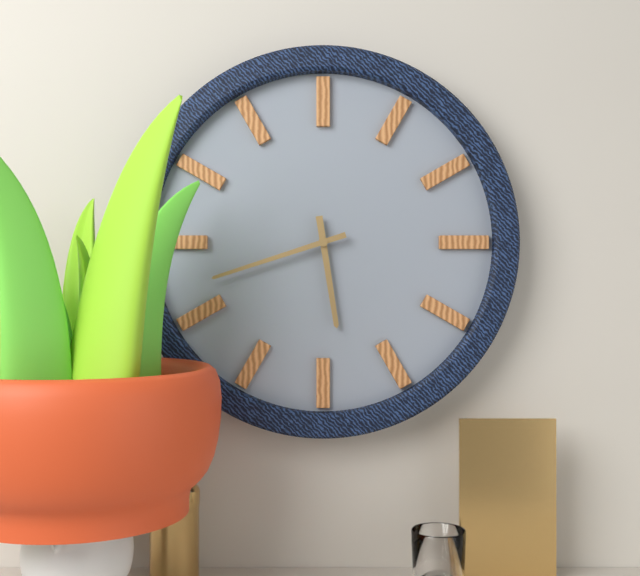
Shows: {"hour": 5, "minute": 42}
